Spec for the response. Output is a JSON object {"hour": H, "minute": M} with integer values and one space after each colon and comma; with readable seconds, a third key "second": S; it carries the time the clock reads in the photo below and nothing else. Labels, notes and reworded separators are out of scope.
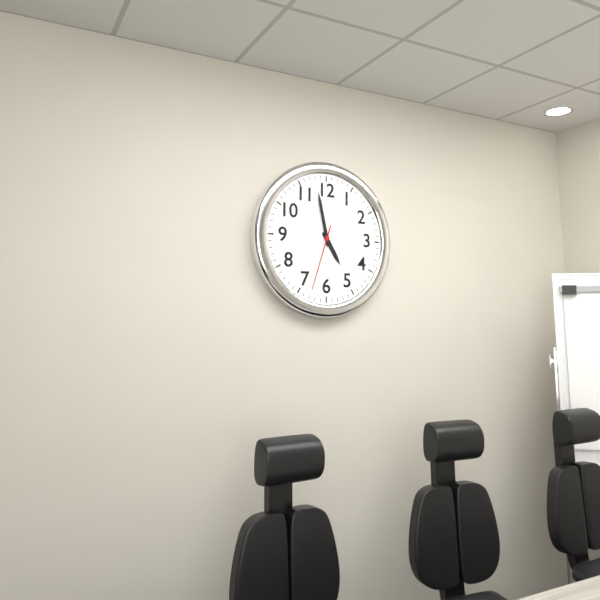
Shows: {"hour": 4, "minute": 58, "second": 33}
